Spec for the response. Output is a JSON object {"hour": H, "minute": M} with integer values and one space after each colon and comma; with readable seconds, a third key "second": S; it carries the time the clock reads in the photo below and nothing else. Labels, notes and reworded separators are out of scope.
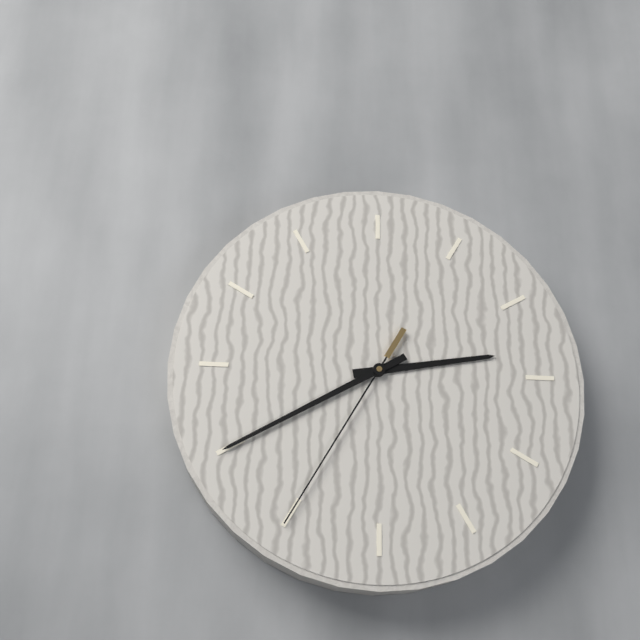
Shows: {"hour": 2, "minute": 40, "second": 35}
